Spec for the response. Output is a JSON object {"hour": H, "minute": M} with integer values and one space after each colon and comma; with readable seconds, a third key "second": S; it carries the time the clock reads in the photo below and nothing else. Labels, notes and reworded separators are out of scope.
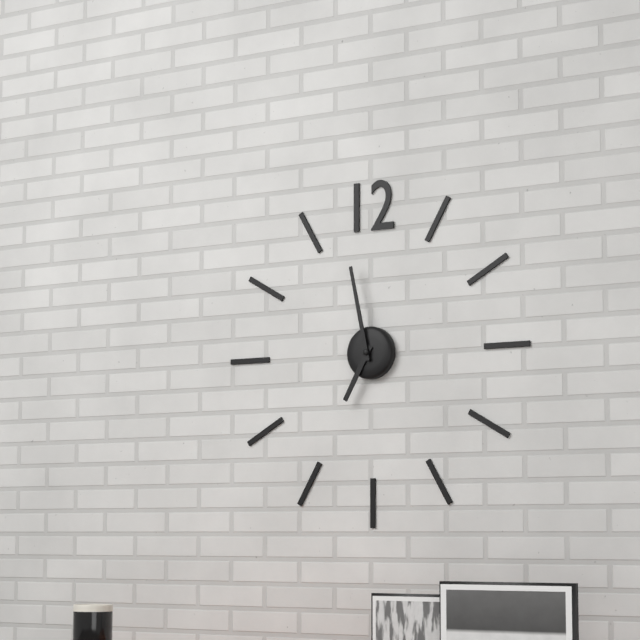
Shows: {"hour": 6, "minute": 58}
